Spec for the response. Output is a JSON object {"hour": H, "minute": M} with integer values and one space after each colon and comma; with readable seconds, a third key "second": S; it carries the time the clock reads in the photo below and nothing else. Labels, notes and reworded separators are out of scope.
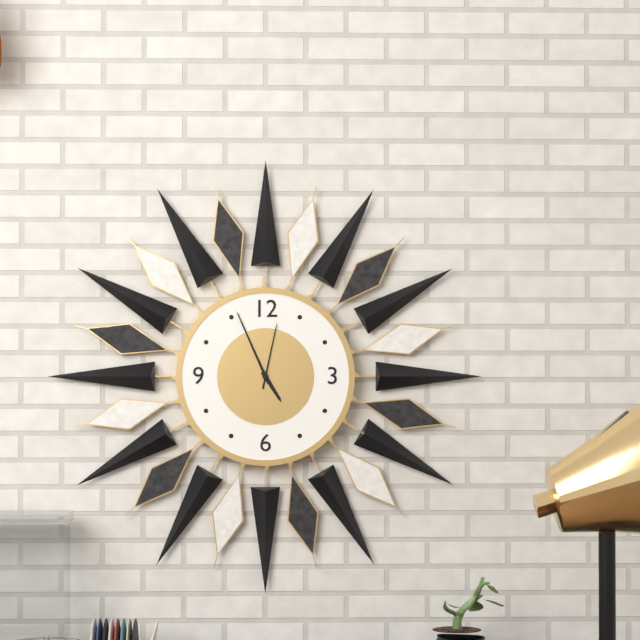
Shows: {"hour": 4, "minute": 56, "second": 2}
